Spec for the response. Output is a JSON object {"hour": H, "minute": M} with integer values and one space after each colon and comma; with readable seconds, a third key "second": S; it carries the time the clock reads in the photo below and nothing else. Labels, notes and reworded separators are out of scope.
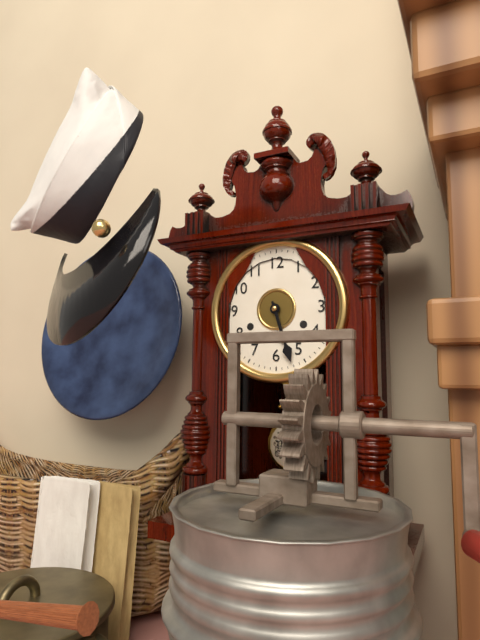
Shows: {"hour": 5, "minute": 27}
